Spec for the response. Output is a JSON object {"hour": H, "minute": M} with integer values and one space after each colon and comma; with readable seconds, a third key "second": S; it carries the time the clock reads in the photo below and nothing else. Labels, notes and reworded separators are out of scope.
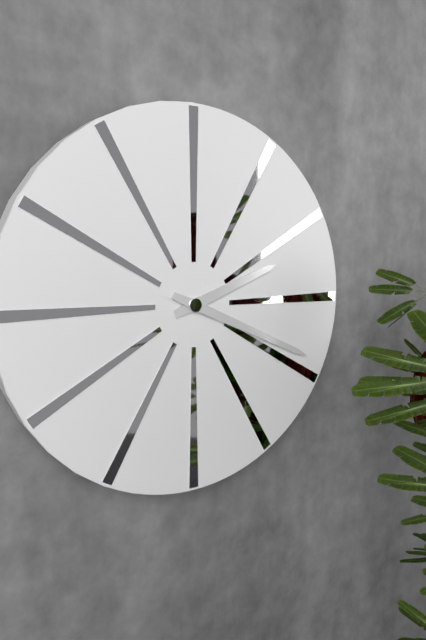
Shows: {"hour": 2, "minute": 19}
